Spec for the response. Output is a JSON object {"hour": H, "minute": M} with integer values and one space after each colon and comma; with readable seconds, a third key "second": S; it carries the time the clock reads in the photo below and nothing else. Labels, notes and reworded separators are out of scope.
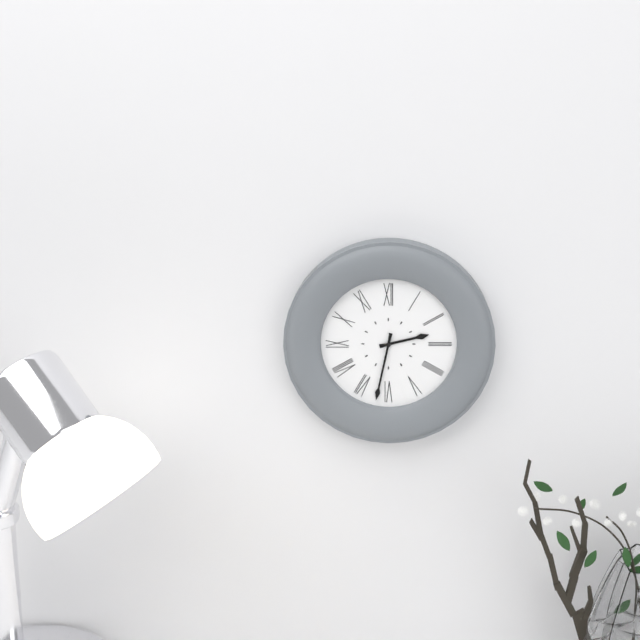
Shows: {"hour": 2, "minute": 32}
